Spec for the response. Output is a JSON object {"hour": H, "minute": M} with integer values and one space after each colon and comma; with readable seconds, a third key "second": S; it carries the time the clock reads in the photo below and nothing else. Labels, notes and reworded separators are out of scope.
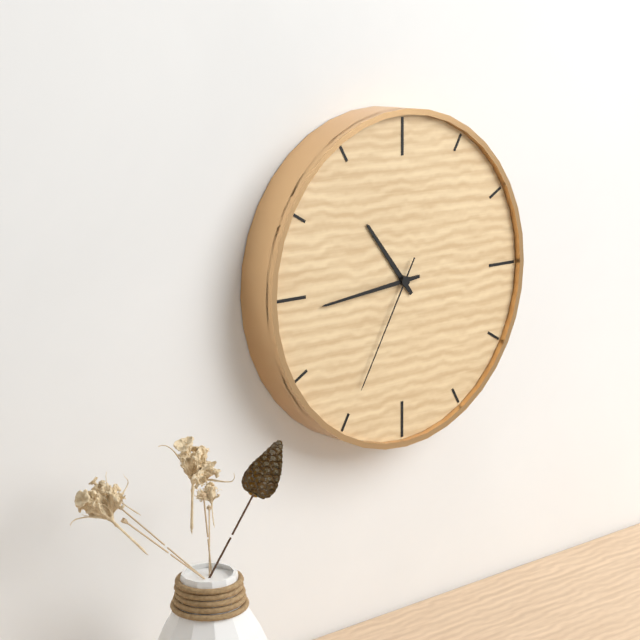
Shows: {"hour": 10, "minute": 44, "second": 35}
